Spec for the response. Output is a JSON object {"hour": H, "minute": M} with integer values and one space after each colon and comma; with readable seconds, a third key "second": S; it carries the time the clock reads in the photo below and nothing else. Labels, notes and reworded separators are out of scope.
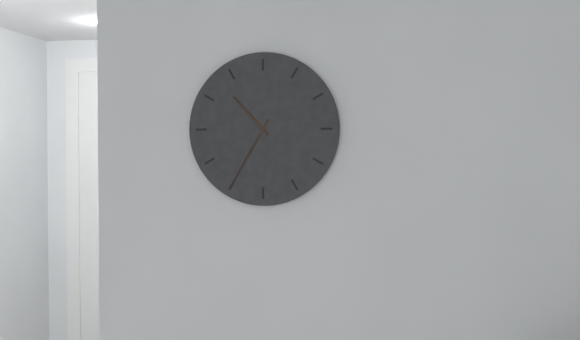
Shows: {"hour": 10, "minute": 35}
